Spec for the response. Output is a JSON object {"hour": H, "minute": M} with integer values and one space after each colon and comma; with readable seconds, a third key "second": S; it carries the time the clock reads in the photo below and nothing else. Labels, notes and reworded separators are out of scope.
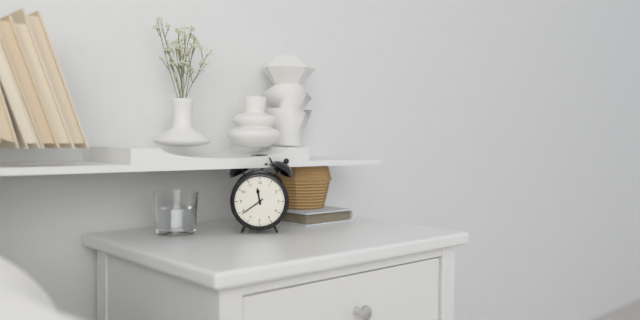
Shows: {"hour": 11, "minute": 39}
